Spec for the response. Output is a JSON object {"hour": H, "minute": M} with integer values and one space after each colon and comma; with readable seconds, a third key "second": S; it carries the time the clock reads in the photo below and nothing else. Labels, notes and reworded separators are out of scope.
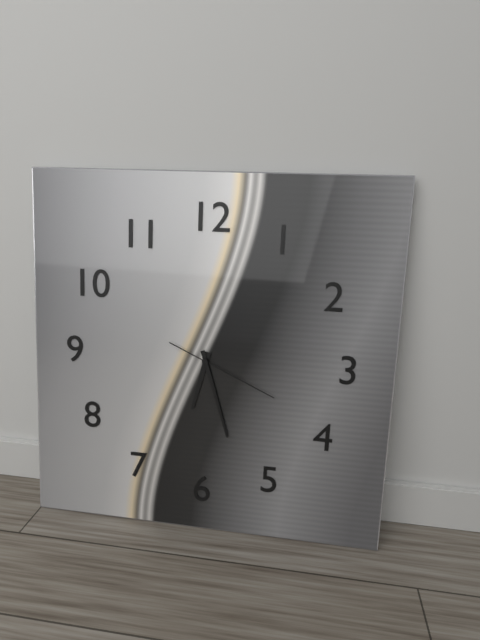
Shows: {"hour": 6, "minute": 27, "second": 19}
